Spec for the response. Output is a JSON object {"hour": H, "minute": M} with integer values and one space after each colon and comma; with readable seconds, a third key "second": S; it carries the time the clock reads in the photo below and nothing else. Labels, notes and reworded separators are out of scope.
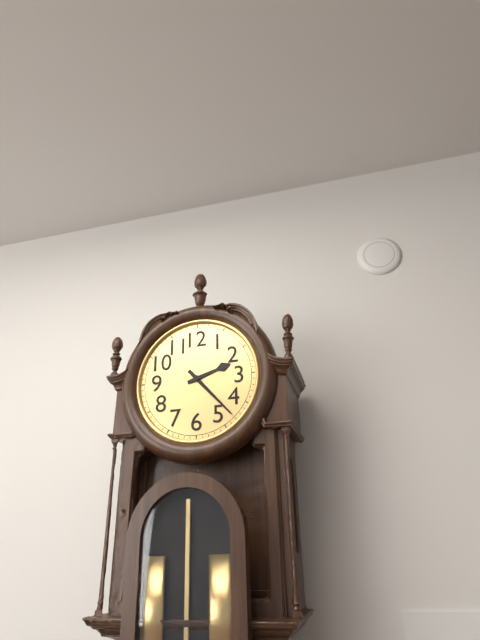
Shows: {"hour": 2, "minute": 23}
